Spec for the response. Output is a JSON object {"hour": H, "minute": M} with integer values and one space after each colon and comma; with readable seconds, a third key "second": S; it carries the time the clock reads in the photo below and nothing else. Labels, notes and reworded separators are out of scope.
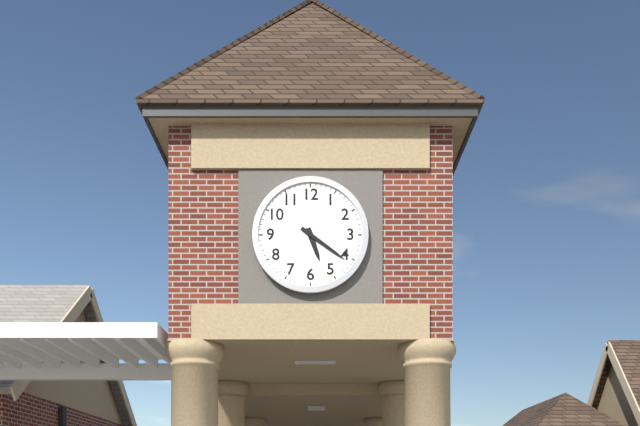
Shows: {"hour": 5, "minute": 21}
